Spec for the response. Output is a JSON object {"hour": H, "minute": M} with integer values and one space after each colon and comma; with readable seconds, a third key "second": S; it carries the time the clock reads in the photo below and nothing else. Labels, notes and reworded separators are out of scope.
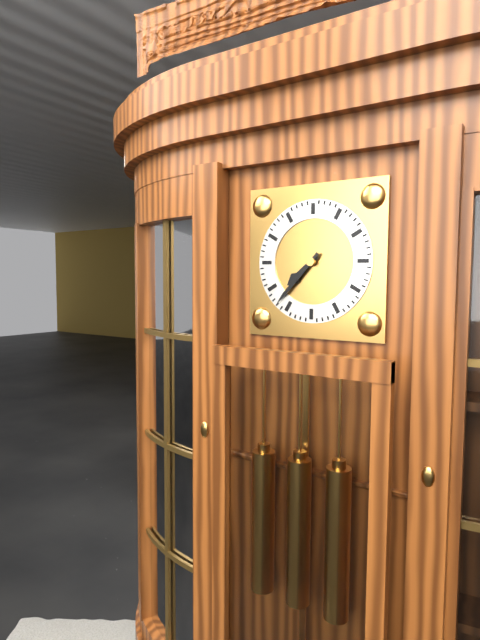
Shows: {"hour": 7, "minute": 37}
